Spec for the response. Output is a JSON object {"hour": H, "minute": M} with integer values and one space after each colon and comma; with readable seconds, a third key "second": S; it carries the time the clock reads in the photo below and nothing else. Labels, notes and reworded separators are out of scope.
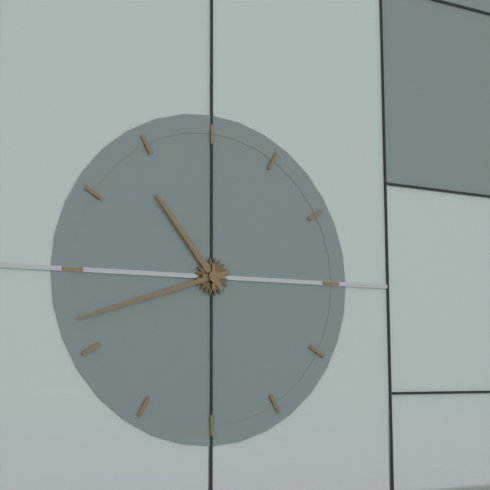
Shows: {"hour": 10, "minute": 42}
